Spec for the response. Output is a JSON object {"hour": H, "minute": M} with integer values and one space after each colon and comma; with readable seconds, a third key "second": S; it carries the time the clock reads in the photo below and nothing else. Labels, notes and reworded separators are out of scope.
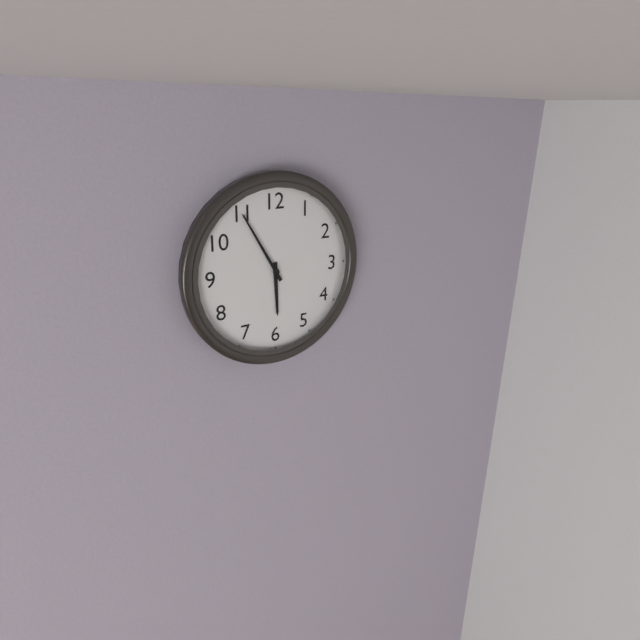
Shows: {"hour": 5, "minute": 55}
